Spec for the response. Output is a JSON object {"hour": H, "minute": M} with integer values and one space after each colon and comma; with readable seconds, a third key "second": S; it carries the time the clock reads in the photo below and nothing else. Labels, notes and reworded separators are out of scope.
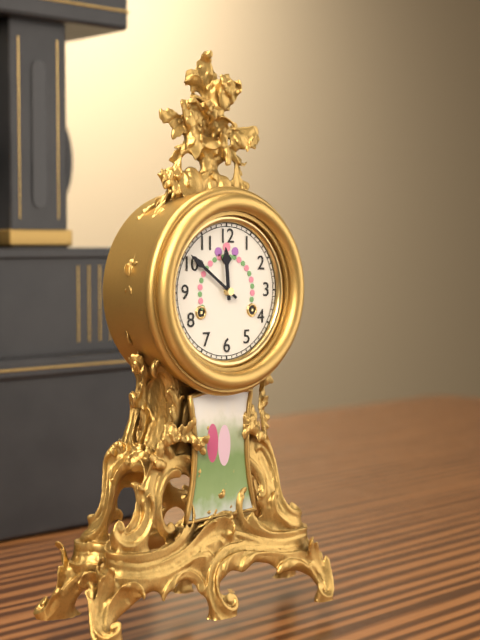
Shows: {"hour": 11, "minute": 51}
